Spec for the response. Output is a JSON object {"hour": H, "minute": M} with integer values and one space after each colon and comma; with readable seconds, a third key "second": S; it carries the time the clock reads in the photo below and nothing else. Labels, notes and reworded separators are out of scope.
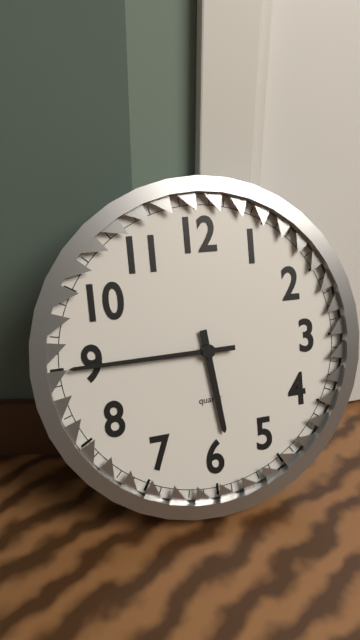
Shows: {"hour": 5, "minute": 45}
